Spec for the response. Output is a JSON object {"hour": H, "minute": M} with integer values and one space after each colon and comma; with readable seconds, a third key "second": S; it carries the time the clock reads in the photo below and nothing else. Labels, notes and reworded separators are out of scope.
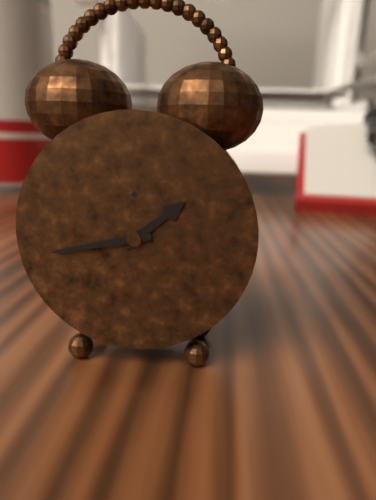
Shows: {"hour": 1, "minute": 43}
